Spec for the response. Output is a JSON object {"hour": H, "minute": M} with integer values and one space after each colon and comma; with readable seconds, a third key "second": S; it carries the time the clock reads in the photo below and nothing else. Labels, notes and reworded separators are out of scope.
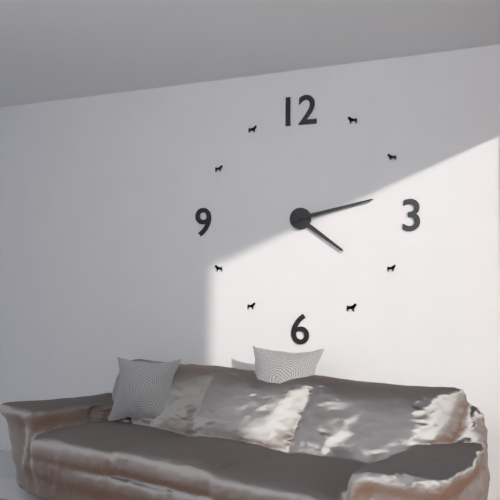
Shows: {"hour": 4, "minute": 13}
